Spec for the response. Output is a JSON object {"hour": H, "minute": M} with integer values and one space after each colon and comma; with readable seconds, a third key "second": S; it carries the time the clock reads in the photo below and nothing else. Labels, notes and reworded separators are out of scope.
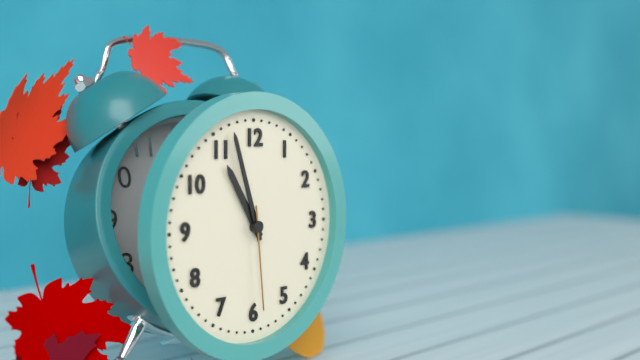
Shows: {"hour": 10, "minute": 57, "second": 29}
